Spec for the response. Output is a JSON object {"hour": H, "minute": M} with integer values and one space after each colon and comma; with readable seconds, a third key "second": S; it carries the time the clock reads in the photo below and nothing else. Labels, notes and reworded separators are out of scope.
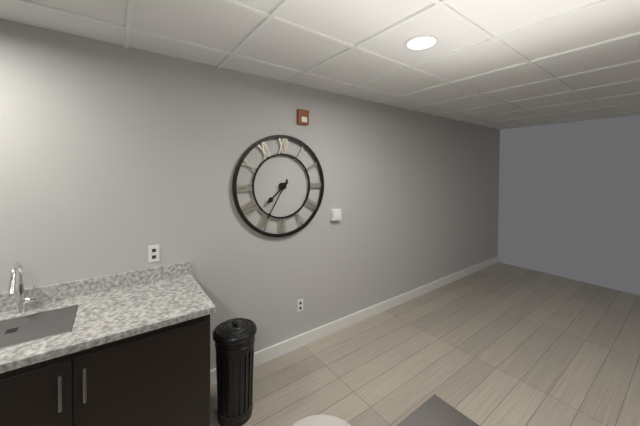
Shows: {"hour": 7, "minute": 35}
